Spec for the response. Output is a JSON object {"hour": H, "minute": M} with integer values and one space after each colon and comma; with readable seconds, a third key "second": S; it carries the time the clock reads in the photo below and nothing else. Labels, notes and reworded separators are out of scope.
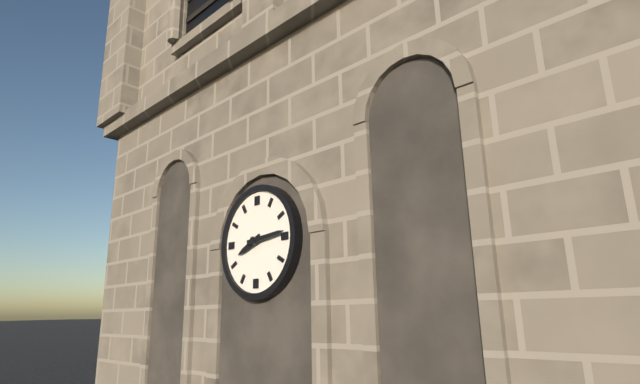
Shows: {"hour": 8, "minute": 14}
